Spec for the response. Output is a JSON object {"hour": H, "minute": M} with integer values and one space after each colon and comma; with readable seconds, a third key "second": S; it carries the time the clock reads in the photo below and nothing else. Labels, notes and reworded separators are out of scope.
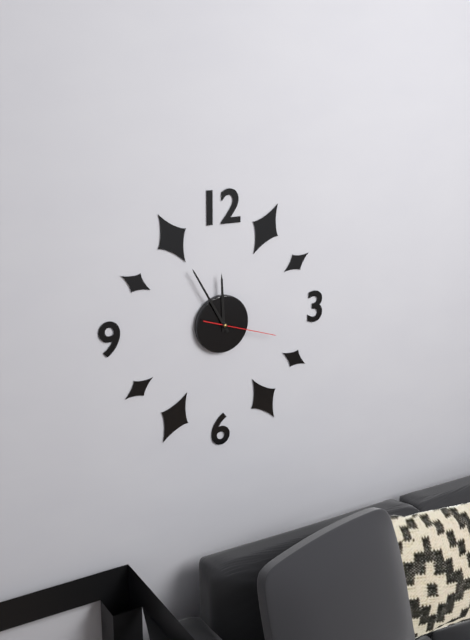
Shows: {"hour": 11, "minute": 55, "second": 18}
